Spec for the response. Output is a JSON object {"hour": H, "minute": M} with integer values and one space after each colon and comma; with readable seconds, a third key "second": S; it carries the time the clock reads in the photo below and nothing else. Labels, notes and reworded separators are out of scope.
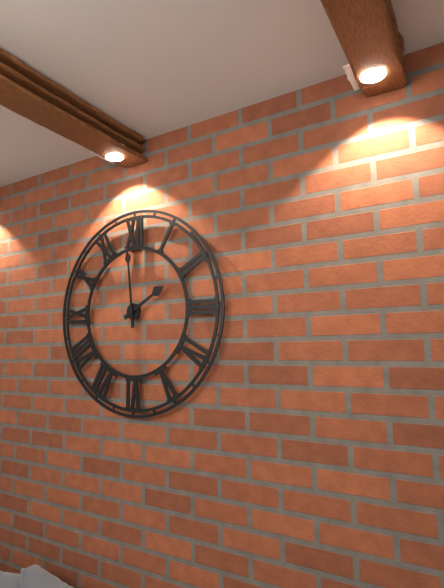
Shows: {"hour": 1, "minute": 59}
